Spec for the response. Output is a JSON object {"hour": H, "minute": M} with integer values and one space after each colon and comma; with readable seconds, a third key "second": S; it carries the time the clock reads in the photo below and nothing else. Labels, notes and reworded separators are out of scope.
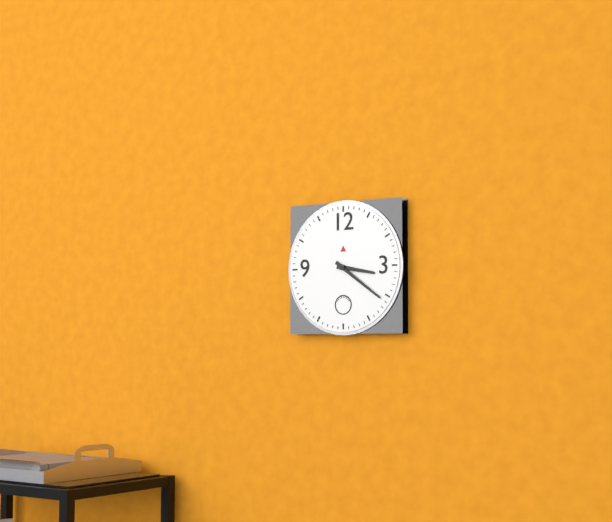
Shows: {"hour": 3, "minute": 21}
